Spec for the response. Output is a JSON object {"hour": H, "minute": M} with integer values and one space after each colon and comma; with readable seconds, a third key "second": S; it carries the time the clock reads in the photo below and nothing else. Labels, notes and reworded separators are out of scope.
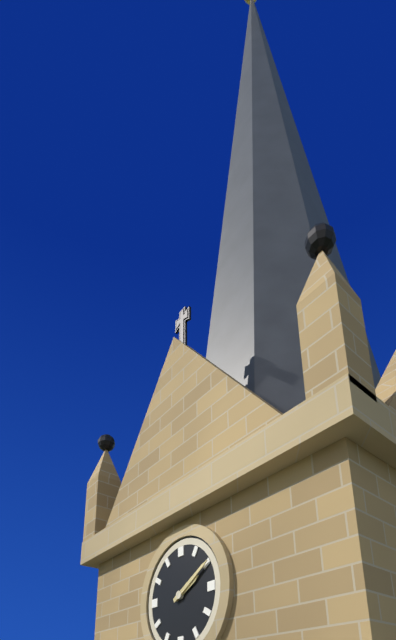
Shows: {"hour": 2, "minute": 10}
